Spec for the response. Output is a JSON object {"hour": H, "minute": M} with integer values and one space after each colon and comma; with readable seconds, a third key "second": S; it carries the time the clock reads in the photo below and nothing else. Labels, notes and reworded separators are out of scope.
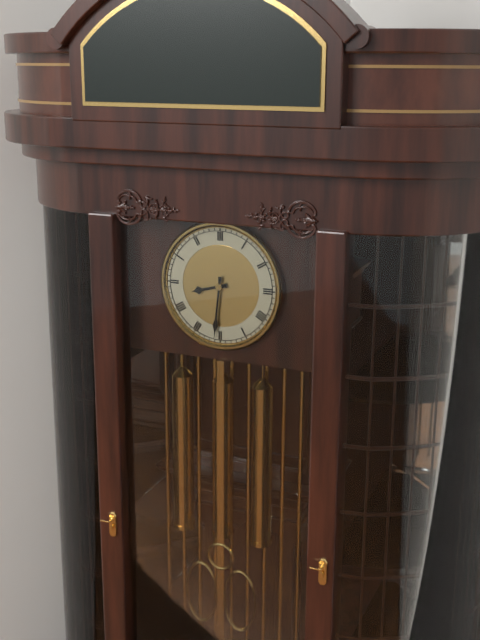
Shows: {"hour": 8, "minute": 31}
